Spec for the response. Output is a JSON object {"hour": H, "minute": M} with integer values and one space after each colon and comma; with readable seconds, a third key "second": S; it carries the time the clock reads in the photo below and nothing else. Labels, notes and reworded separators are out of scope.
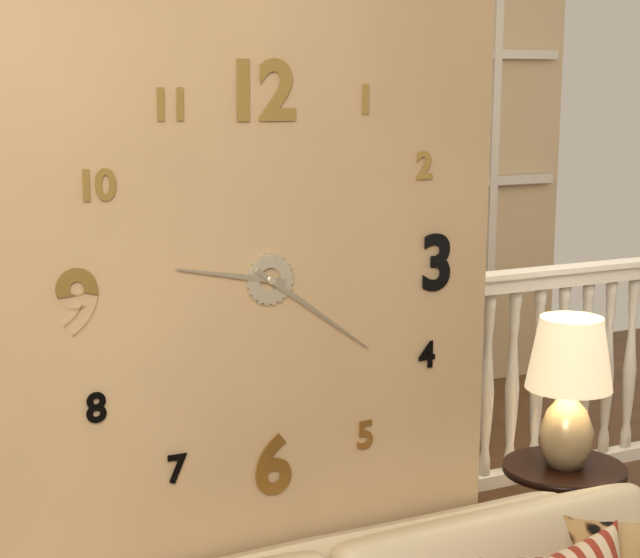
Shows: {"hour": 9, "minute": 21}
